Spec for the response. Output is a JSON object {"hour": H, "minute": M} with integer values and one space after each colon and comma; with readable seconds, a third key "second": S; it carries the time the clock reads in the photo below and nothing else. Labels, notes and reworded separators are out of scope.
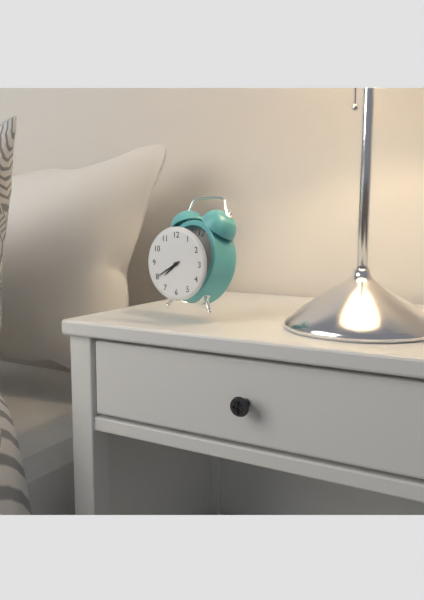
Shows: {"hour": 7, "minute": 40}
